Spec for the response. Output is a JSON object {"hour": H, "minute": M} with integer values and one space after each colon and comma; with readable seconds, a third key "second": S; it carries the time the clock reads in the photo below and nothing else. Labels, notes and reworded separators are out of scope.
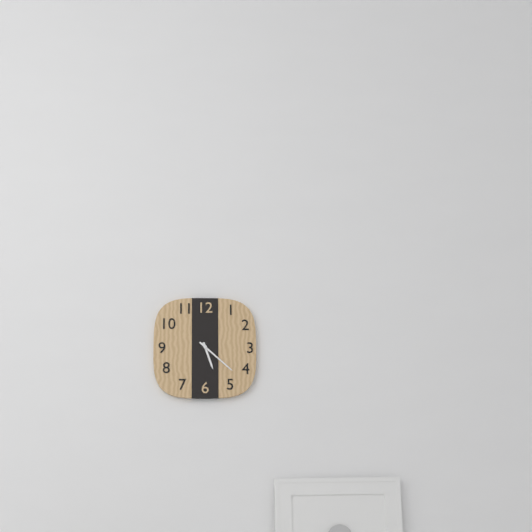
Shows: {"hour": 5, "minute": 22}
